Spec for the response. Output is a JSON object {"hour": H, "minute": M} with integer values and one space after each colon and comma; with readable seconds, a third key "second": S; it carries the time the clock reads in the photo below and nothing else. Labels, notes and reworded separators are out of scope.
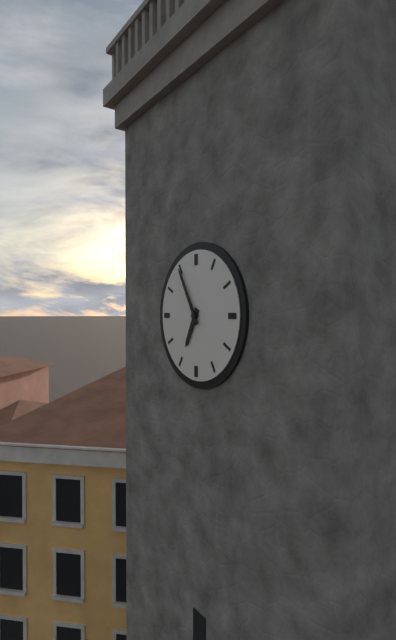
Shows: {"hour": 6, "minute": 55}
